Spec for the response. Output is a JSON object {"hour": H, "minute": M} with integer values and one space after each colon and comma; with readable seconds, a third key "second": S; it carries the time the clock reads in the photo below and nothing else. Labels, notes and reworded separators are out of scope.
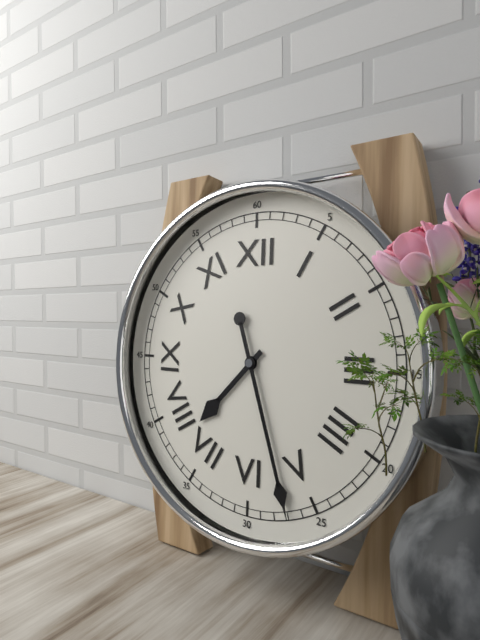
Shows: {"hour": 7, "minute": 27}
